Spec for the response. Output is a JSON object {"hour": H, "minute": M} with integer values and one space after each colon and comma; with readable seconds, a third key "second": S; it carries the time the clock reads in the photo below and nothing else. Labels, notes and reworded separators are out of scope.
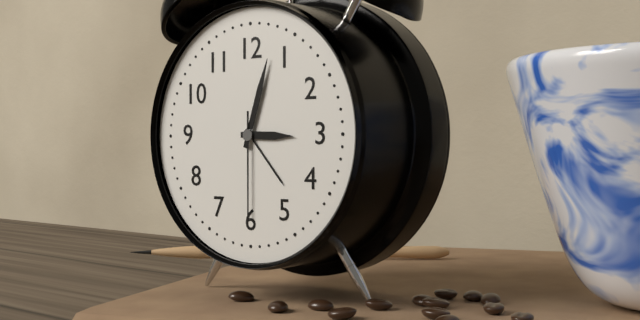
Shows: {"hour": 3, "minute": 3, "second": 30}
